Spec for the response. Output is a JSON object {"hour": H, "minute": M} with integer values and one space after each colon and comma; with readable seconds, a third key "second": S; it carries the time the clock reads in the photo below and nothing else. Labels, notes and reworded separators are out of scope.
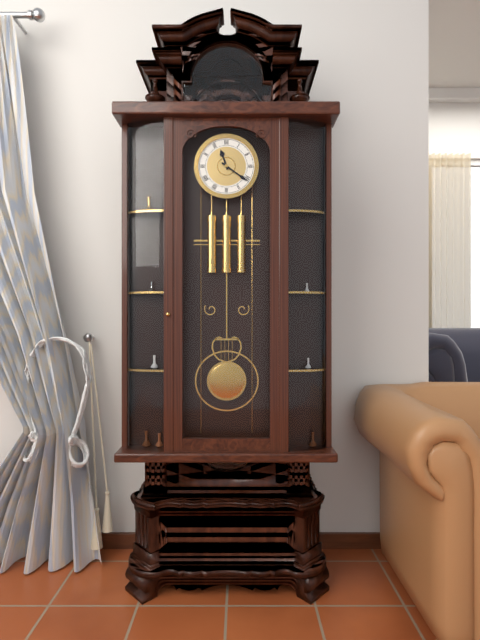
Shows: {"hour": 11, "minute": 21}
